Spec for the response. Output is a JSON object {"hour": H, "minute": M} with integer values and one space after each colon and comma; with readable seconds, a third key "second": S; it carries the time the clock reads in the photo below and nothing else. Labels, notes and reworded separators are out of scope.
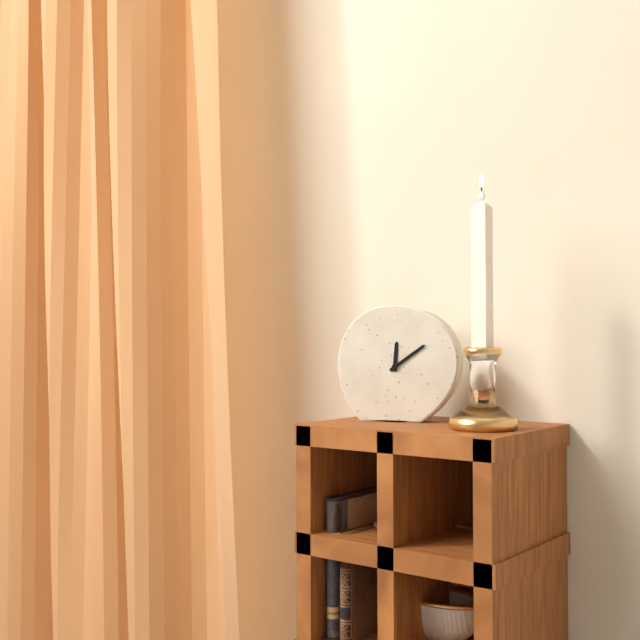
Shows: {"hour": 12, "minute": 9}
